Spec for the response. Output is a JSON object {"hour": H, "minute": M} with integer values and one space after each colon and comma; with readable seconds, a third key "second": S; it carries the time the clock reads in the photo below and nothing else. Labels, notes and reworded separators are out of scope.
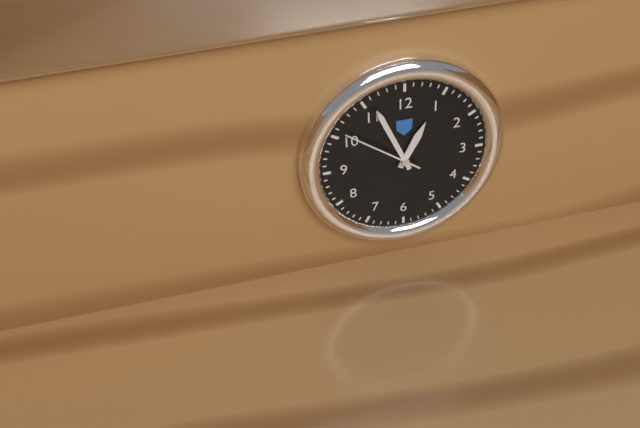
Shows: {"hour": 12, "minute": 56, "second": 51}
